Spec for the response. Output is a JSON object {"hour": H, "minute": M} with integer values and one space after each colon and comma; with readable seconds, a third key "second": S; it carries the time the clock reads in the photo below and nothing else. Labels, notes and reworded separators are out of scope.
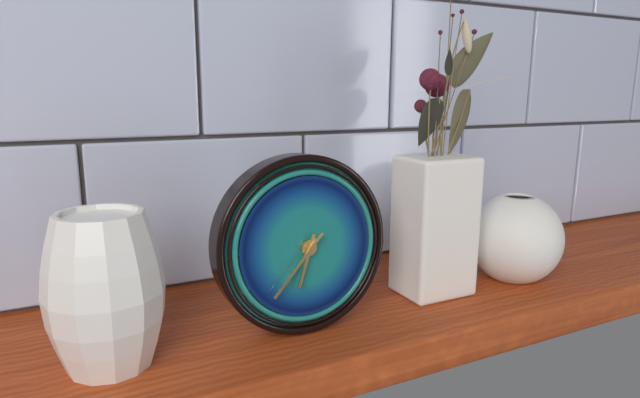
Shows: {"hour": 6, "minute": 37}
